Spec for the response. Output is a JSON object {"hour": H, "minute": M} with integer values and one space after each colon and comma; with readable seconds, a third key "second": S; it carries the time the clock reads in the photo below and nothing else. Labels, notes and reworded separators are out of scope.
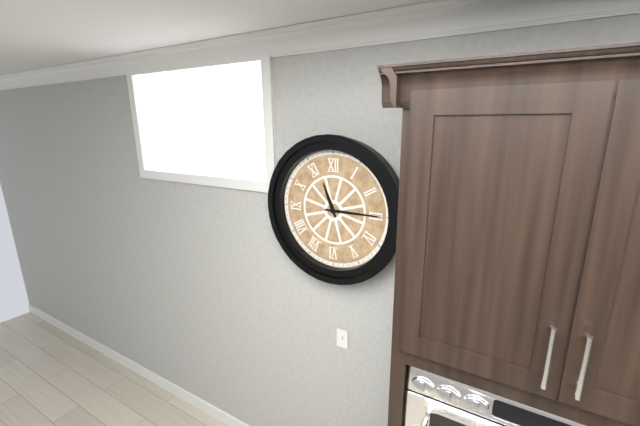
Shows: {"hour": 11, "minute": 15}
